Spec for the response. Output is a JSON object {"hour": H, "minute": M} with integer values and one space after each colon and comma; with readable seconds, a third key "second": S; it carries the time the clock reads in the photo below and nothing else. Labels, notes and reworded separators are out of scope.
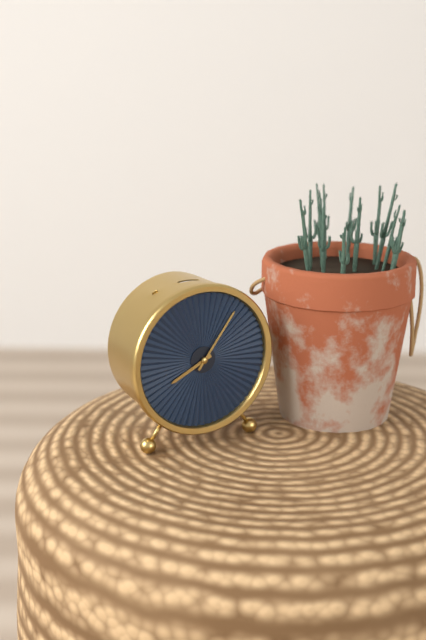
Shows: {"hour": 8, "minute": 6}
